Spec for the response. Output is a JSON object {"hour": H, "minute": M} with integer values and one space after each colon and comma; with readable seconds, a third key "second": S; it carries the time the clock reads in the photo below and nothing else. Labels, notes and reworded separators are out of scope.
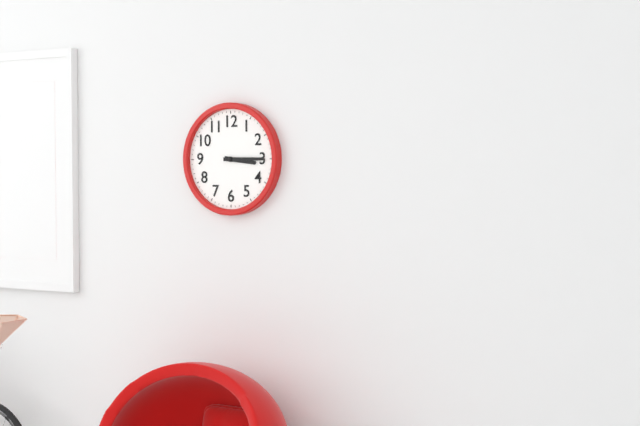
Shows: {"hour": 3, "minute": 15}
